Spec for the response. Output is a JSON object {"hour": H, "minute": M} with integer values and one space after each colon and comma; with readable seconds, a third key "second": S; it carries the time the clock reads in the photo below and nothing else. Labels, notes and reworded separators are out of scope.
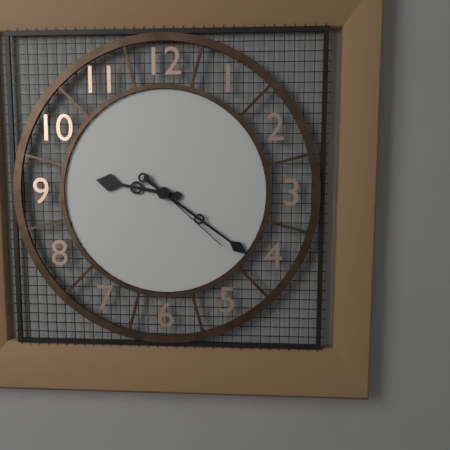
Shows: {"hour": 9, "minute": 21, "second": 22}
